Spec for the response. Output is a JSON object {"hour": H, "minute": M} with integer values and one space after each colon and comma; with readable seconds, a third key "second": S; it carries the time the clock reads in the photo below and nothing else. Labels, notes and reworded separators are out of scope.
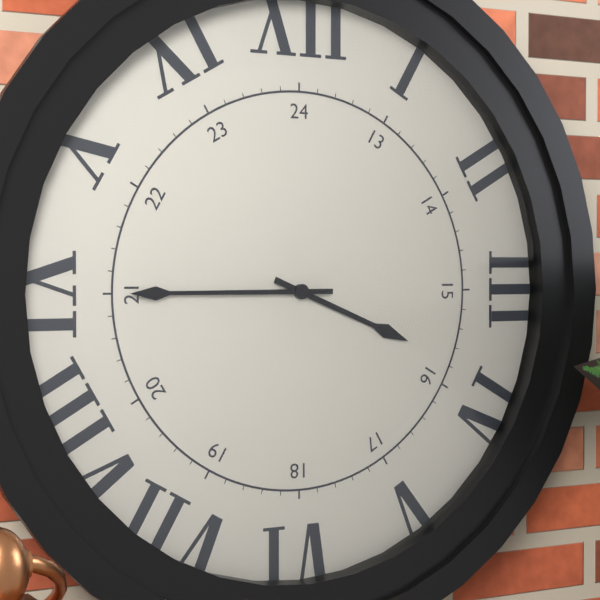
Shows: {"hour": 3, "minute": 45}
